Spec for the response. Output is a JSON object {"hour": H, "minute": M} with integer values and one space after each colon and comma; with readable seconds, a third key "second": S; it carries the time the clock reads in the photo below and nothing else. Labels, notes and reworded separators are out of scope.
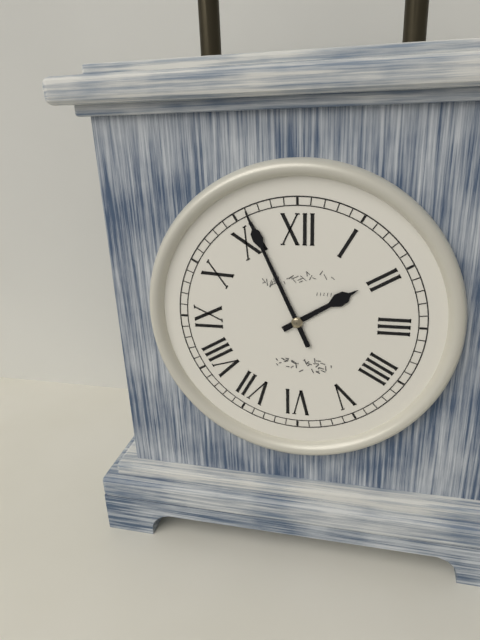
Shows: {"hour": 1, "minute": 56}
